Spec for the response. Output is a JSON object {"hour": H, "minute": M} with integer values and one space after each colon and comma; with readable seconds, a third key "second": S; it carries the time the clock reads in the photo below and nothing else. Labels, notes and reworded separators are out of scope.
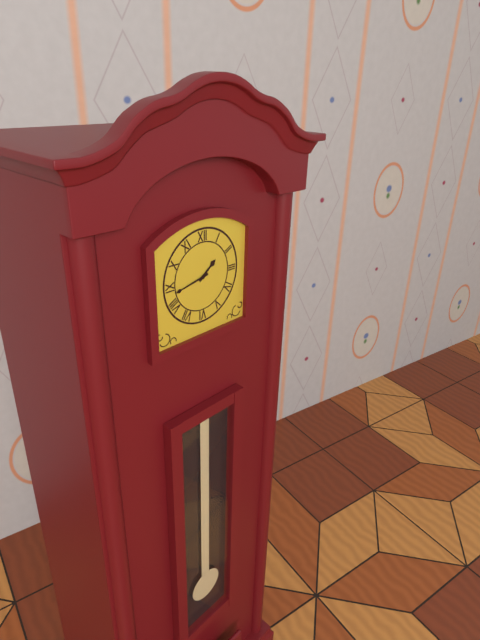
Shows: {"hour": 1, "minute": 43}
